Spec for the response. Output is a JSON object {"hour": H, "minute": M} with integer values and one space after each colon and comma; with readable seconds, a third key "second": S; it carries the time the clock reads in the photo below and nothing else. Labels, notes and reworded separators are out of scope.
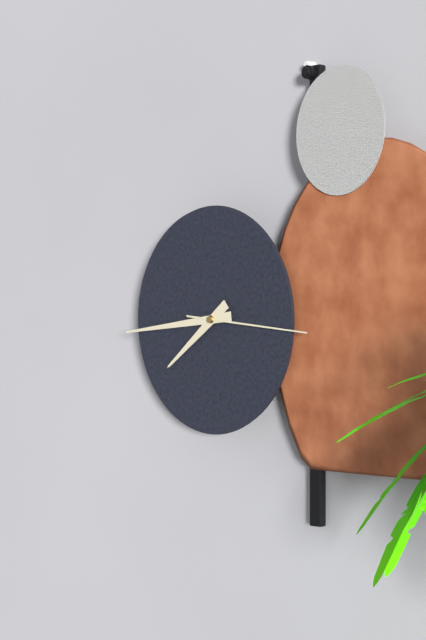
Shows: {"hour": 7, "minute": 44, "second": 16}
